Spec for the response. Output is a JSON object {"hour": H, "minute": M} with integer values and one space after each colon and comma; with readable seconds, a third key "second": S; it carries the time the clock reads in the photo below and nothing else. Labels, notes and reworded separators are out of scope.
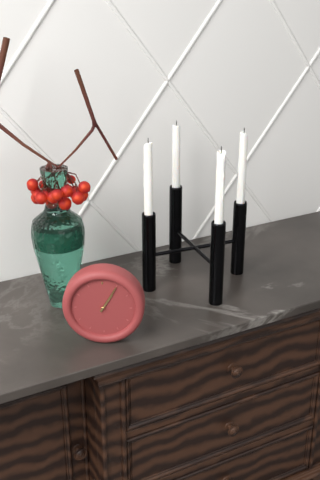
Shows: {"hour": 1, "minute": 5}
